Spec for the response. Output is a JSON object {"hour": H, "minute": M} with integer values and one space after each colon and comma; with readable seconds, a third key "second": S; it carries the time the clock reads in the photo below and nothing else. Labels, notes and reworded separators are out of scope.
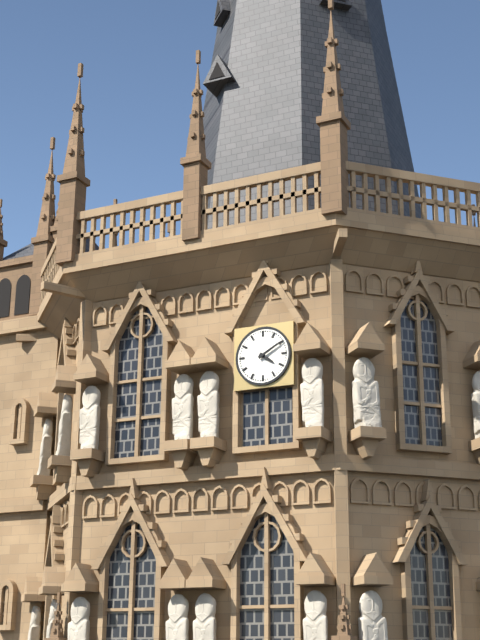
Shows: {"hour": 4, "minute": 10}
